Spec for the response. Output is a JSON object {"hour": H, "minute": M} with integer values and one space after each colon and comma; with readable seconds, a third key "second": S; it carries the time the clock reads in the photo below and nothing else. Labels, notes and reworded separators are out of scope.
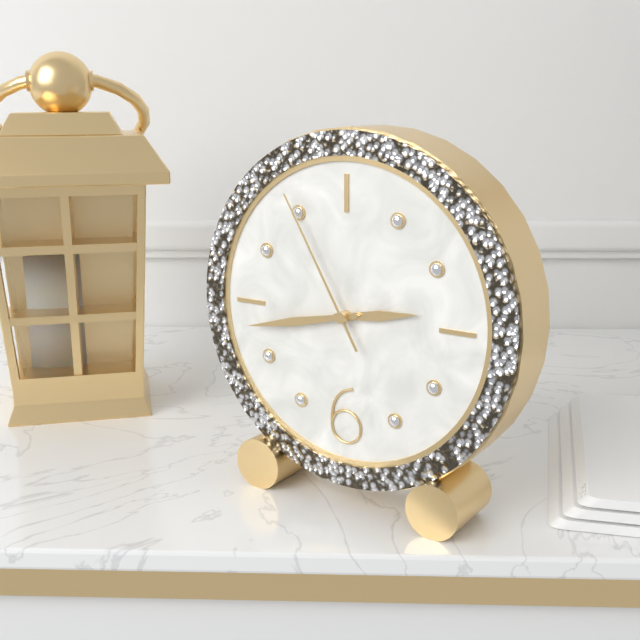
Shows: {"hour": 2, "minute": 43, "second": 55}
